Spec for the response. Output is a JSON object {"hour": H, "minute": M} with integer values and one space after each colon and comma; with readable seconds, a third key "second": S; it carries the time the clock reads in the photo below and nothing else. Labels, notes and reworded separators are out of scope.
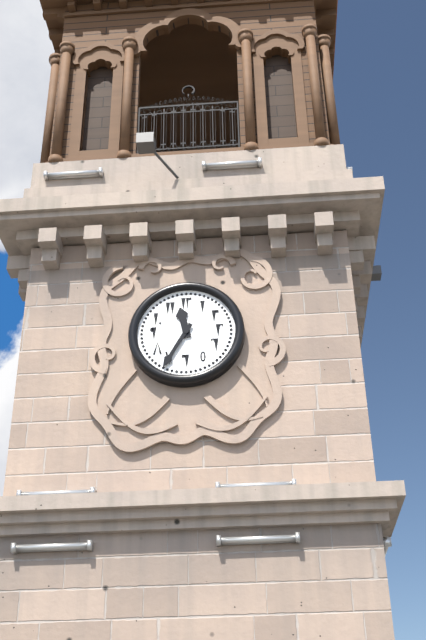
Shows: {"hour": 11, "minute": 35}
